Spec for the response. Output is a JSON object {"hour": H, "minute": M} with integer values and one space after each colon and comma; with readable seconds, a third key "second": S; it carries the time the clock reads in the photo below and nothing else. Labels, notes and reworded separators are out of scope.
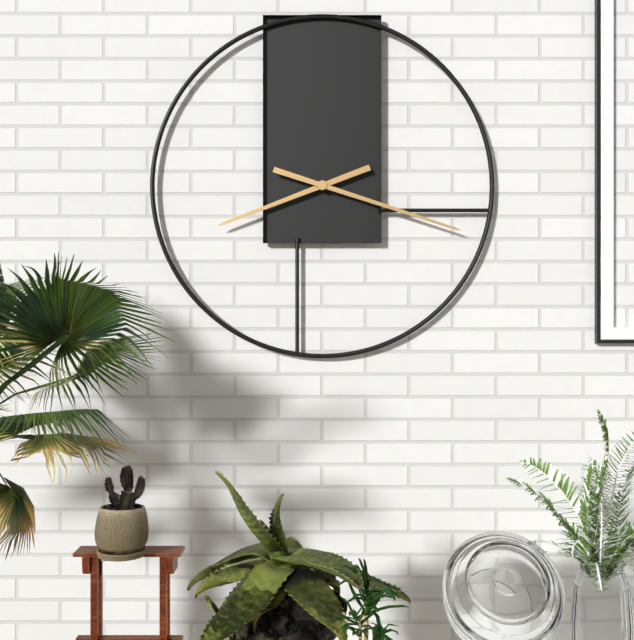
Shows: {"hour": 8, "minute": 18}
